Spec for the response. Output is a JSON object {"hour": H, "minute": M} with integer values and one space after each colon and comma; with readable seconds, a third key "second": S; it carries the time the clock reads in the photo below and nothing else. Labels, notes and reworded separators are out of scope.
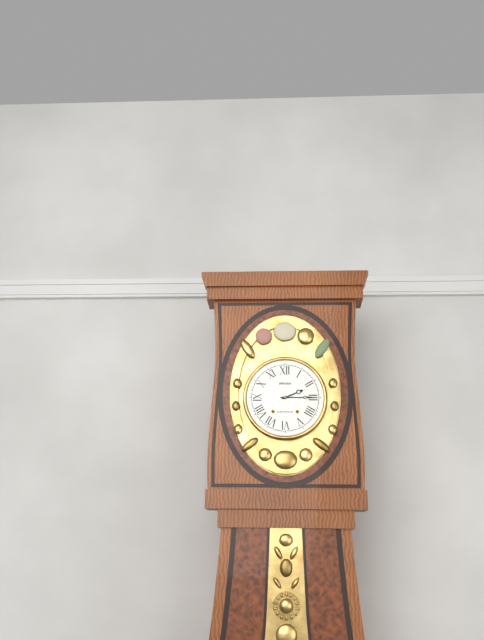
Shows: {"hour": 2, "minute": 15}
